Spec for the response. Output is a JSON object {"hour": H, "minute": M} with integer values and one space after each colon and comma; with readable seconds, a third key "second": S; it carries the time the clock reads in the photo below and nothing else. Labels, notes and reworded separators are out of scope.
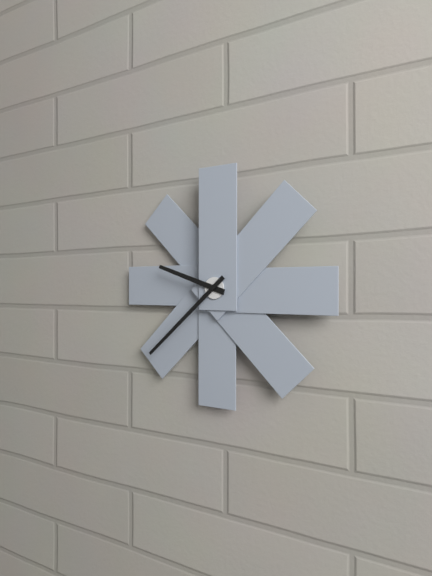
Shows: {"hour": 9, "minute": 38}
